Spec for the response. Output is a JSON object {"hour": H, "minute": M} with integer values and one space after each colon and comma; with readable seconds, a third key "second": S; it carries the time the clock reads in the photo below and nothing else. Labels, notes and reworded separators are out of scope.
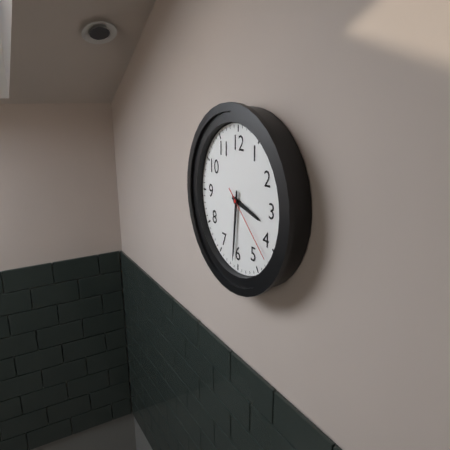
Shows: {"hour": 3, "minute": 31, "second": 22}
